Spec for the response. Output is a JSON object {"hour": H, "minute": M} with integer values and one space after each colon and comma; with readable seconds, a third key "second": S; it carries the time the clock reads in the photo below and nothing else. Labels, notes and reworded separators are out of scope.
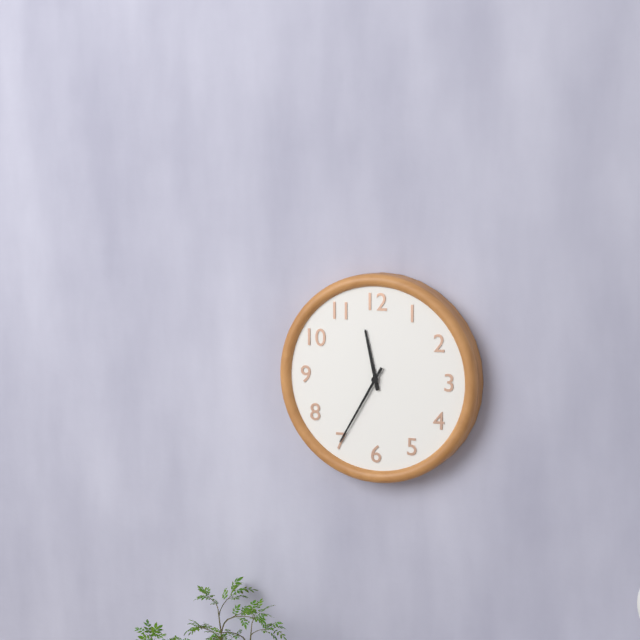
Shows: {"hour": 11, "minute": 35}
